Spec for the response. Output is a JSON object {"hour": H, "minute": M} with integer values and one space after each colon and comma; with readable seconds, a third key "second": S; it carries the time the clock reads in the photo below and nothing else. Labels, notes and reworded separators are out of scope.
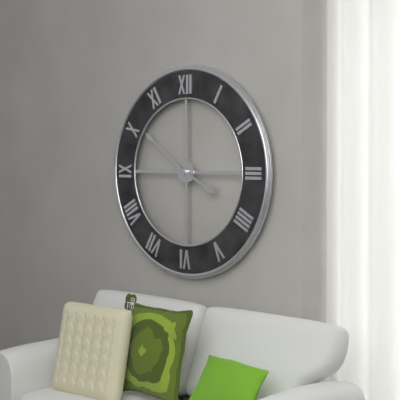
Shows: {"hour": 3, "minute": 51}
